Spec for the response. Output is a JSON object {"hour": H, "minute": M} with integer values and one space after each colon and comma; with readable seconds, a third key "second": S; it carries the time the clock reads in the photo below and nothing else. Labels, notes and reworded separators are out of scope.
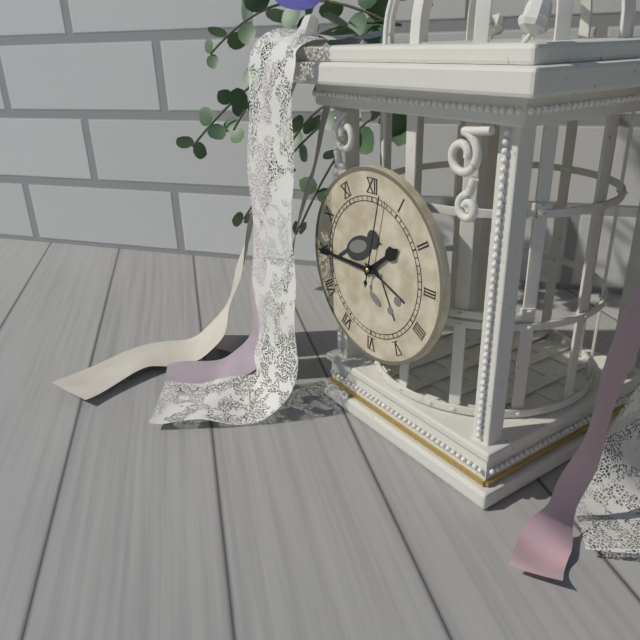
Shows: {"hour": 1, "minute": 45, "second": 2}
